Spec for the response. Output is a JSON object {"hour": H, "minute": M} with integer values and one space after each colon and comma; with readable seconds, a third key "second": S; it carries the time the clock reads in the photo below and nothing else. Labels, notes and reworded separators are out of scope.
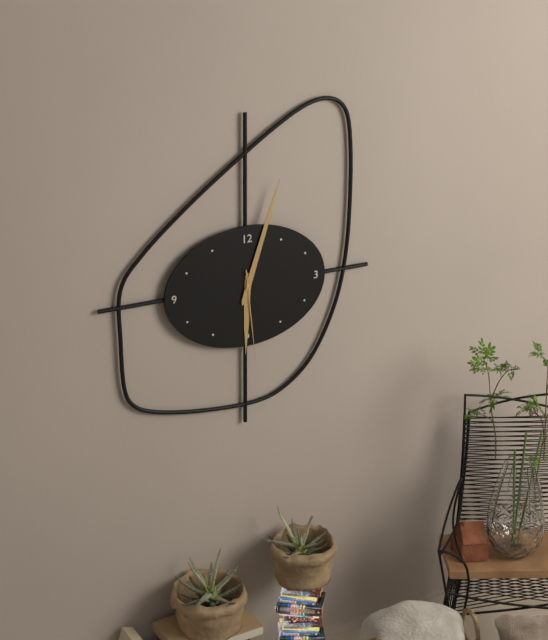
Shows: {"hour": 6, "minute": 3, "second": 29}
